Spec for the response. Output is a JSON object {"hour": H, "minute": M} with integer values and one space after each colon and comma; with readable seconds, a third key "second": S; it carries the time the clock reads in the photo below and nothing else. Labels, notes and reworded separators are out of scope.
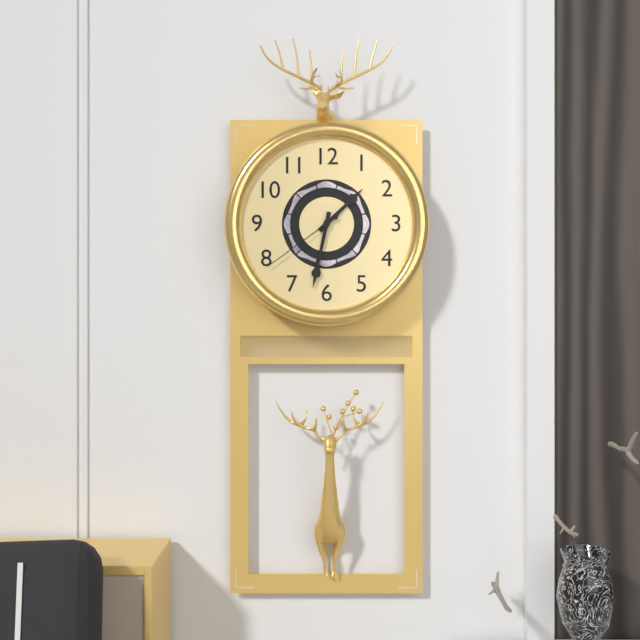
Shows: {"hour": 1, "minute": 32, "second": 39}
